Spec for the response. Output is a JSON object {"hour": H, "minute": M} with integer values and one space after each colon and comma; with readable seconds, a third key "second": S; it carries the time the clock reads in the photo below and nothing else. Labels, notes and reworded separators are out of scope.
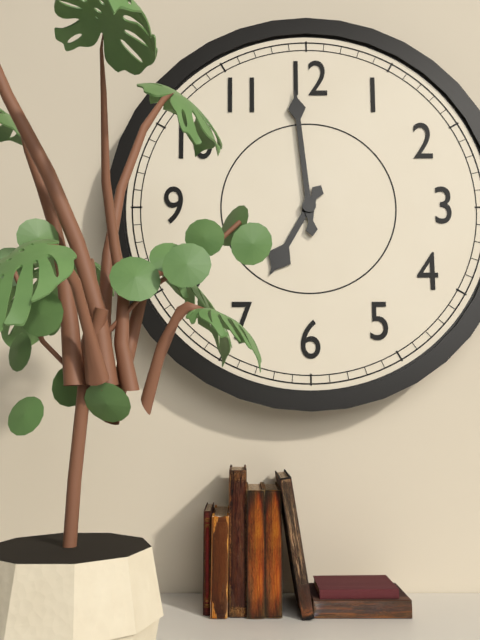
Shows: {"hour": 6, "minute": 59}
